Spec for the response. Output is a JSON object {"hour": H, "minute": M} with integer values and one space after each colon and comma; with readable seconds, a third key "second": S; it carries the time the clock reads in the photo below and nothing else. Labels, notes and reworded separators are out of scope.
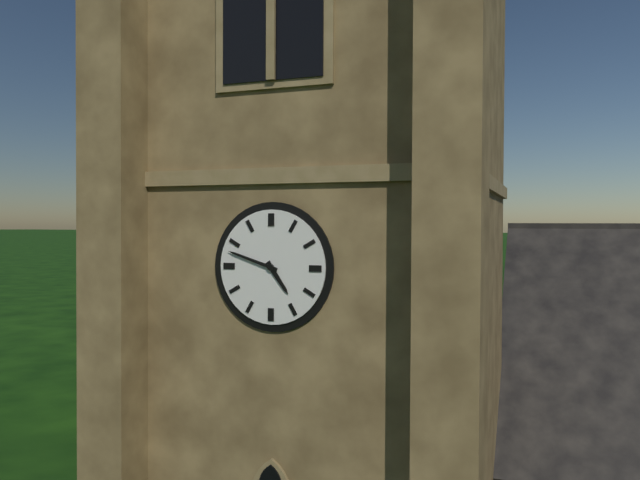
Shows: {"hour": 4, "minute": 48}
